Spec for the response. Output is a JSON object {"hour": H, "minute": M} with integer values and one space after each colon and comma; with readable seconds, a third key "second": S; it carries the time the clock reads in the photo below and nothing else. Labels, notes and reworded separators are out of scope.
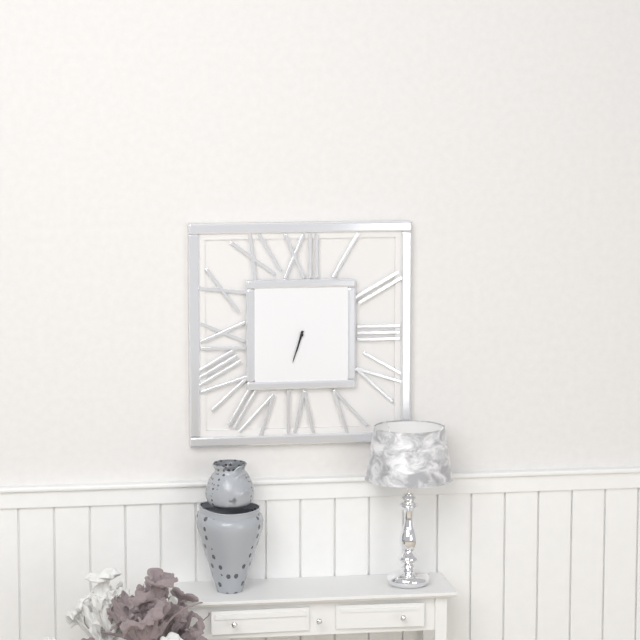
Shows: {"hour": 6, "minute": 33}
